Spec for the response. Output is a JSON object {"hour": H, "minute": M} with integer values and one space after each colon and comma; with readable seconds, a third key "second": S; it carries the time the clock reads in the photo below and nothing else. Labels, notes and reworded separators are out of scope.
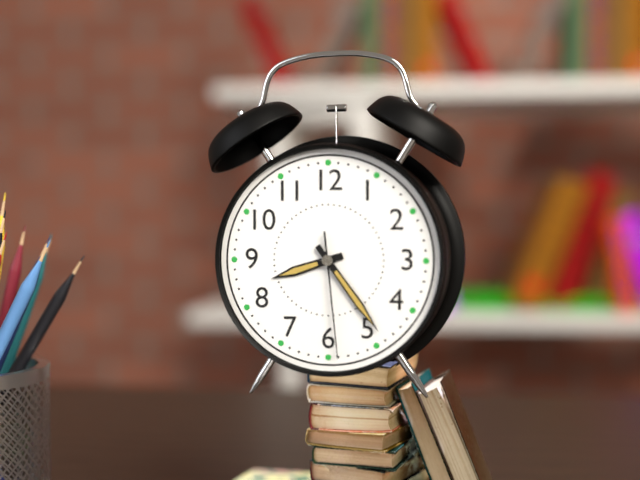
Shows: {"hour": 8, "minute": 24, "second": 29}
